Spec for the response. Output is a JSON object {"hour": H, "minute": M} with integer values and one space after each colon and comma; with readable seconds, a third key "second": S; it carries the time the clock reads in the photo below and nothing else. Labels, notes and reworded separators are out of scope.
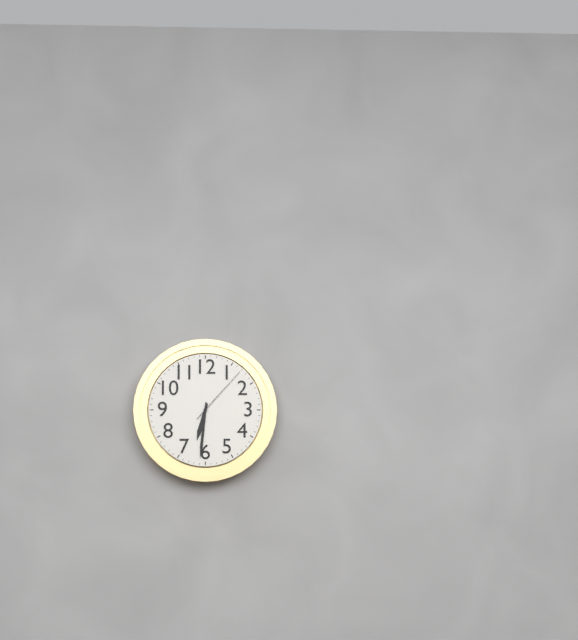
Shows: {"hour": 6, "minute": 31, "second": 7}
